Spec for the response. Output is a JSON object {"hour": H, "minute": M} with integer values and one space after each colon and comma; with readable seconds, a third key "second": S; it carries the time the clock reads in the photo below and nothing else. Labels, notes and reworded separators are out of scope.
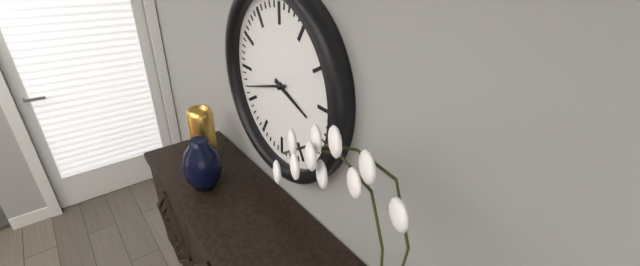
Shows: {"hour": 3, "minute": 42}
